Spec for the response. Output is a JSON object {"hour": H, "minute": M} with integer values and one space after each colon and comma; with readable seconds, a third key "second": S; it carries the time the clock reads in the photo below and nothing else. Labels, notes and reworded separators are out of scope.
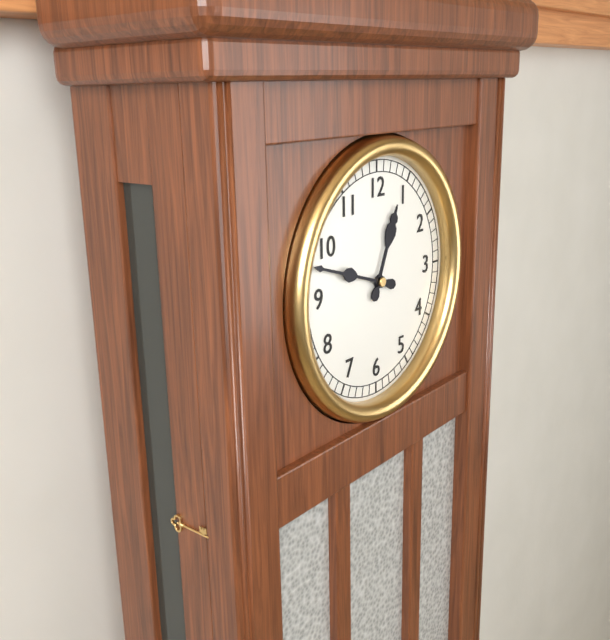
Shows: {"hour": 12, "minute": 48}
